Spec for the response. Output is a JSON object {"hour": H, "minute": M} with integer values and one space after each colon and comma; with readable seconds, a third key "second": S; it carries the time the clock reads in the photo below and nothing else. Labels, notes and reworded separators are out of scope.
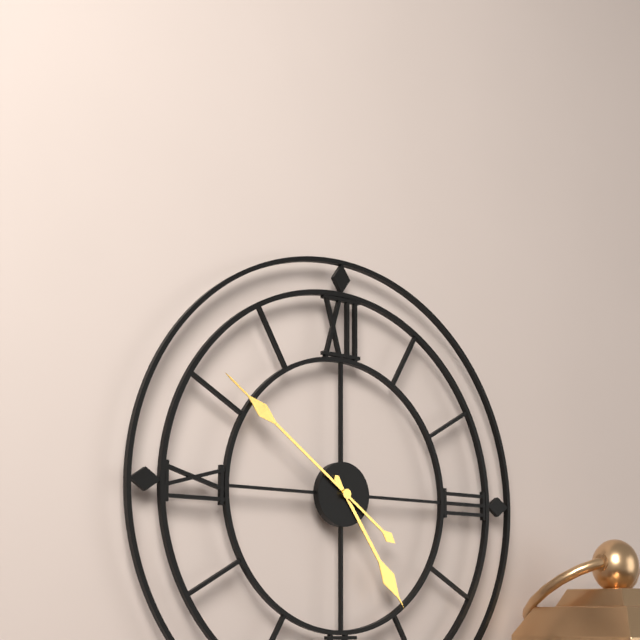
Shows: {"hour": 4, "minute": 51}
